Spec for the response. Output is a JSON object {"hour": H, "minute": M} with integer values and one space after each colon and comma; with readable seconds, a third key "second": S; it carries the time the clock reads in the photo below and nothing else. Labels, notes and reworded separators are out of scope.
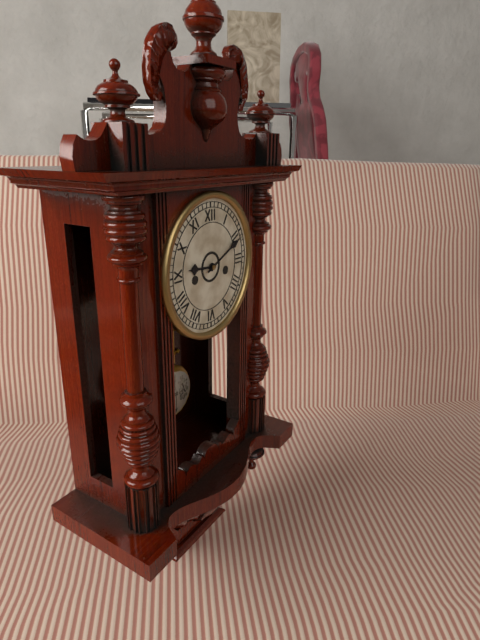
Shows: {"hour": 9, "minute": 11}
